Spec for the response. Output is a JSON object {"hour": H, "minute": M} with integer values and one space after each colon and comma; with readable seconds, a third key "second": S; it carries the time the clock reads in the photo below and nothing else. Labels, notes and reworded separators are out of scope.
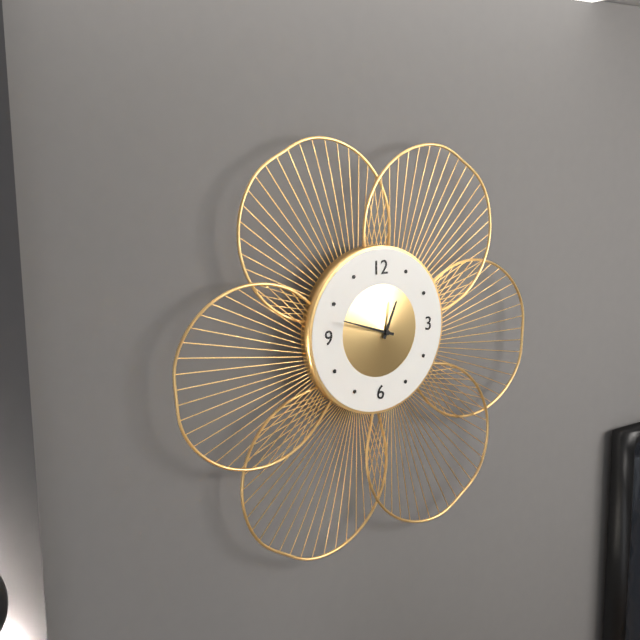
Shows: {"hour": 12, "minute": 48}
